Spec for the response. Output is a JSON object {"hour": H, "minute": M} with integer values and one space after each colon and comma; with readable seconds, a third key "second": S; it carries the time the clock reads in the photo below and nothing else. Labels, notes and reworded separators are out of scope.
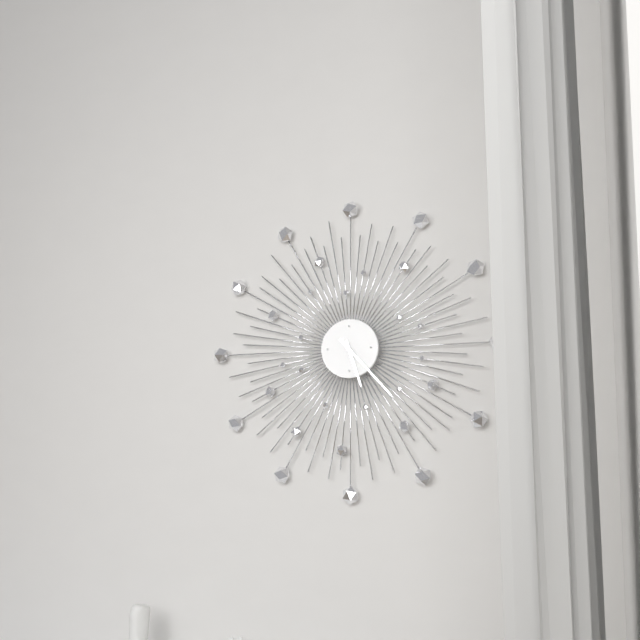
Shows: {"hour": 5, "minute": 23}
